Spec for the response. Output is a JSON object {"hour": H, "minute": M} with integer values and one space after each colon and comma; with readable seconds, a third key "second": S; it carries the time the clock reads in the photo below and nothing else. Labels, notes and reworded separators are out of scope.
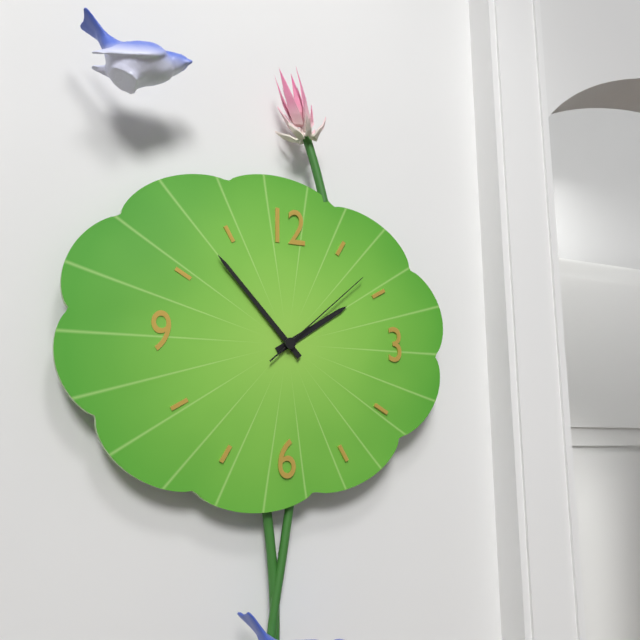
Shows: {"hour": 1, "minute": 53, "second": 8}
